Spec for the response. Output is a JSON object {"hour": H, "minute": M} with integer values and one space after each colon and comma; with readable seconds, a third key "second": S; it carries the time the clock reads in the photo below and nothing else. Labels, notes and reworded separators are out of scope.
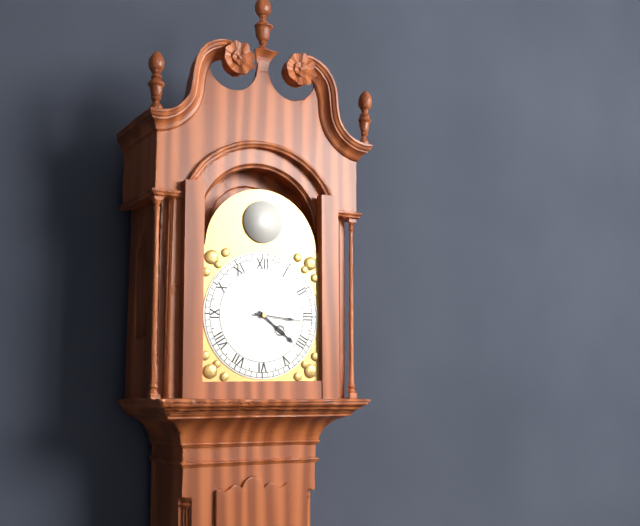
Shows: {"hour": 4, "minute": 16}
